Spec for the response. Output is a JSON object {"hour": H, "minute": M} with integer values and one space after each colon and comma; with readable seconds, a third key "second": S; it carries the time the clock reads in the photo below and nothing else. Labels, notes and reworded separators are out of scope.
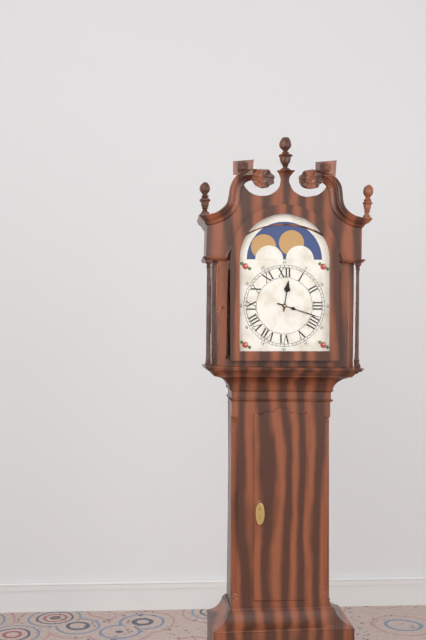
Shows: {"hour": 12, "minute": 18}
